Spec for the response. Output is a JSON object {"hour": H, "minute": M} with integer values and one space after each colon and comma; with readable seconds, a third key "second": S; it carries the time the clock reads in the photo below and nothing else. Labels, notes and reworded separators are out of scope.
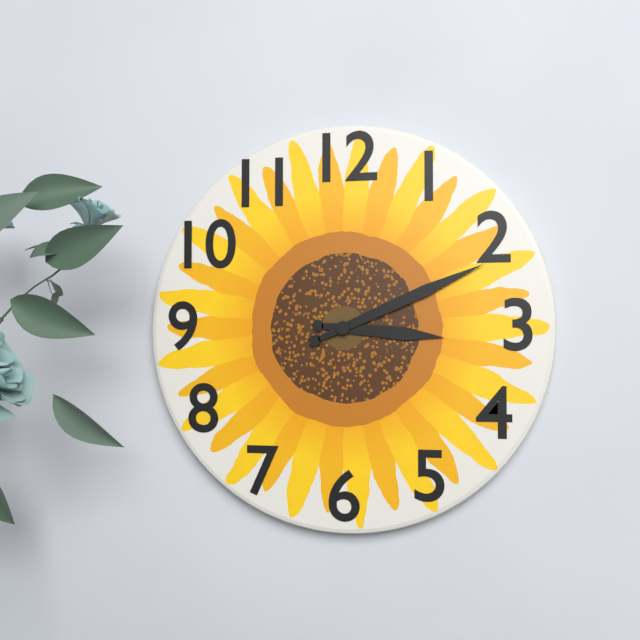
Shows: {"hour": 3, "minute": 11}
